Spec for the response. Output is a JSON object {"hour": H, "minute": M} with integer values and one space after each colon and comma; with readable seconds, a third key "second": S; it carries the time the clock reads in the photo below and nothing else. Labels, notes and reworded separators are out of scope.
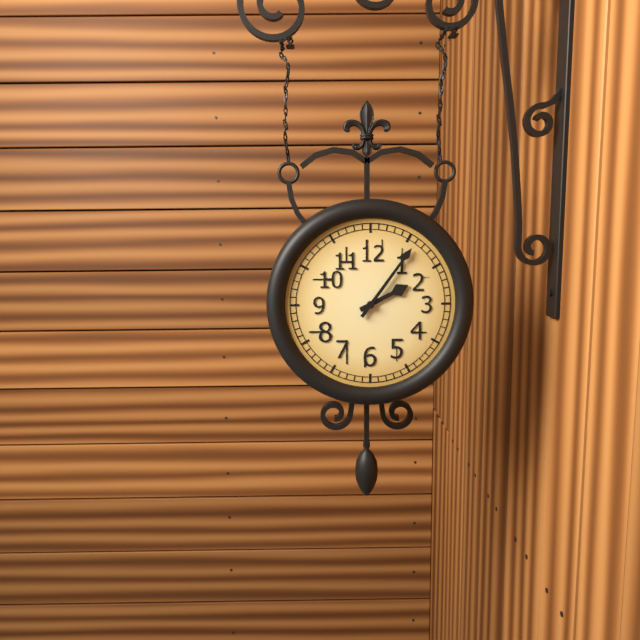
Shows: {"hour": 2, "minute": 6}
